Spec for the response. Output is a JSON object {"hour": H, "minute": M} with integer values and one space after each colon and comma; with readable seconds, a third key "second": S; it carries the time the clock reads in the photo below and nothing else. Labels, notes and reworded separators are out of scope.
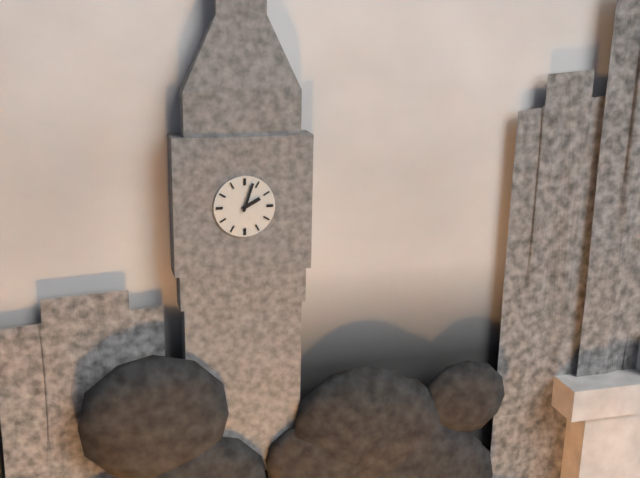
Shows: {"hour": 2, "minute": 3}
